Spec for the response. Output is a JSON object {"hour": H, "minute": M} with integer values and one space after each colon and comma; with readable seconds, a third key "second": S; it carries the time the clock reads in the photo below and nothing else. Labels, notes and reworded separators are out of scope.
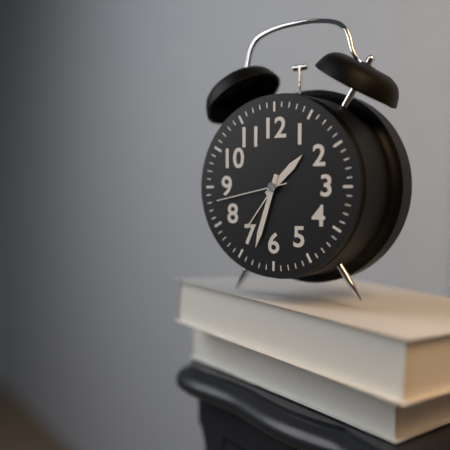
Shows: {"hour": 1, "minute": 33, "second": 43}
